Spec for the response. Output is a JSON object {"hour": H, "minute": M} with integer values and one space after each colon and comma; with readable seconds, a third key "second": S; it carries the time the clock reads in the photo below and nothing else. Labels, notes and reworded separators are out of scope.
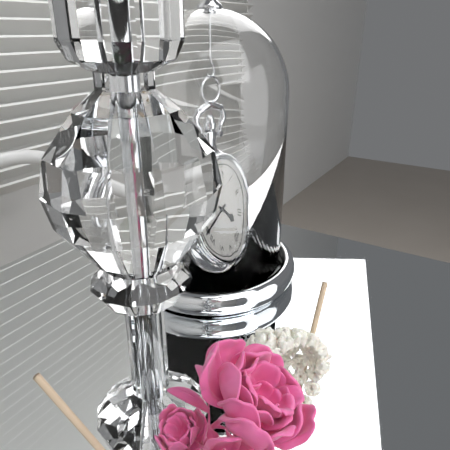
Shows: {"hour": 3, "minute": 38}
